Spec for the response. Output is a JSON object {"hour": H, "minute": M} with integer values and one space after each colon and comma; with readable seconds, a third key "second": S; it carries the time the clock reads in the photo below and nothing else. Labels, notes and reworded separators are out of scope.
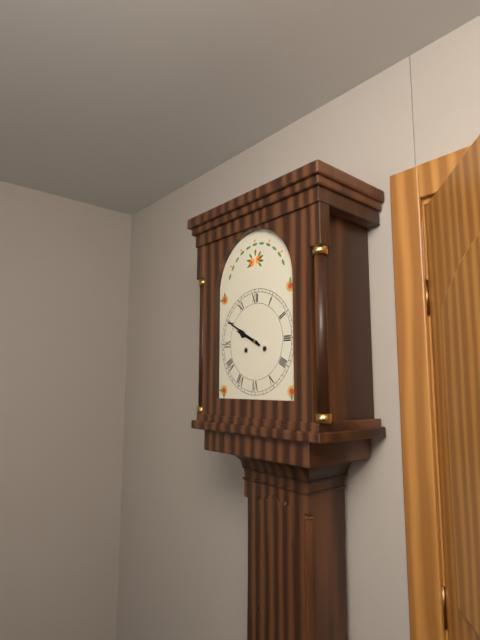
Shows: {"hour": 9, "minute": 50}
